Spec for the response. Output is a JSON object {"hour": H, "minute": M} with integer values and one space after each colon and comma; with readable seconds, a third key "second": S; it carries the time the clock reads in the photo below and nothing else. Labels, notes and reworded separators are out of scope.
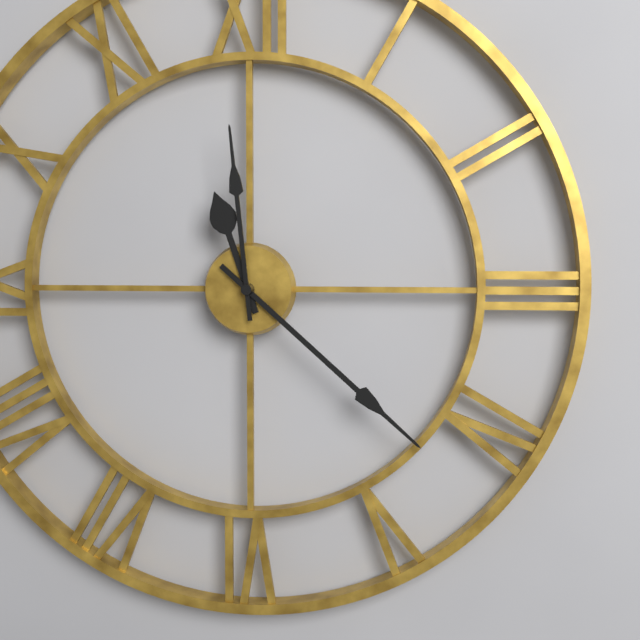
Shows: {"hour": 11, "minute": 22, "second": 59}
